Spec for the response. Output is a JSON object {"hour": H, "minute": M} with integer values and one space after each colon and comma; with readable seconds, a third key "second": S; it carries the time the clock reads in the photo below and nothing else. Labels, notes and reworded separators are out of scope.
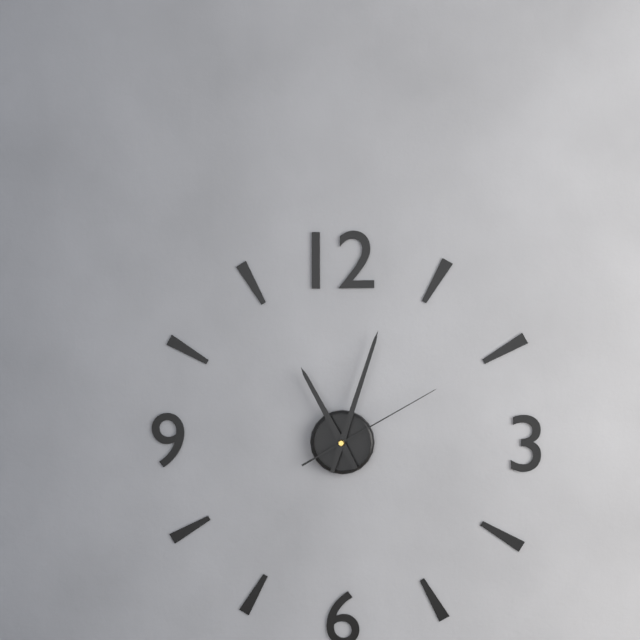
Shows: {"hour": 11, "minute": 3, "second": 10}
